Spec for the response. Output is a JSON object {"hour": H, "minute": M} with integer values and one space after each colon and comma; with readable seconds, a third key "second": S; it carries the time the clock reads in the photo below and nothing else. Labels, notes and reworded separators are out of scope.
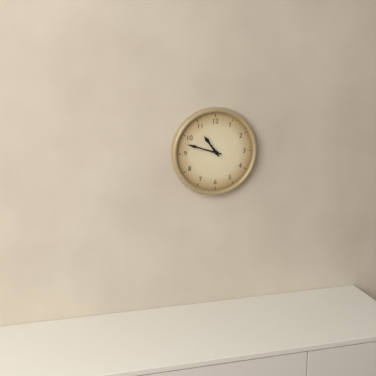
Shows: {"hour": 10, "minute": 48}
